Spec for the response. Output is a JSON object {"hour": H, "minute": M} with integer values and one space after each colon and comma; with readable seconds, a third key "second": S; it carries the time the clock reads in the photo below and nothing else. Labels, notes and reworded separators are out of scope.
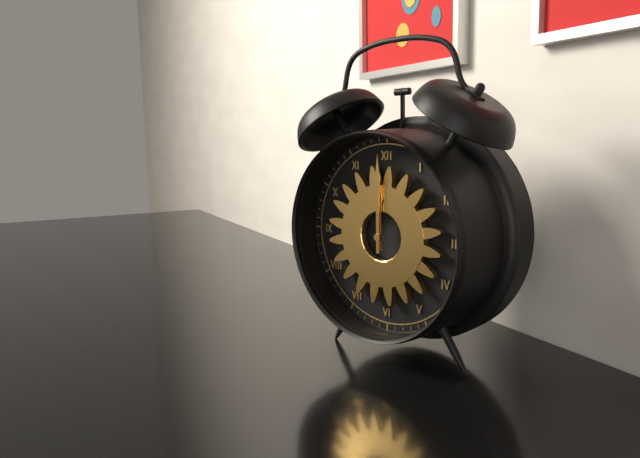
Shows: {"hour": 12, "minute": 0}
